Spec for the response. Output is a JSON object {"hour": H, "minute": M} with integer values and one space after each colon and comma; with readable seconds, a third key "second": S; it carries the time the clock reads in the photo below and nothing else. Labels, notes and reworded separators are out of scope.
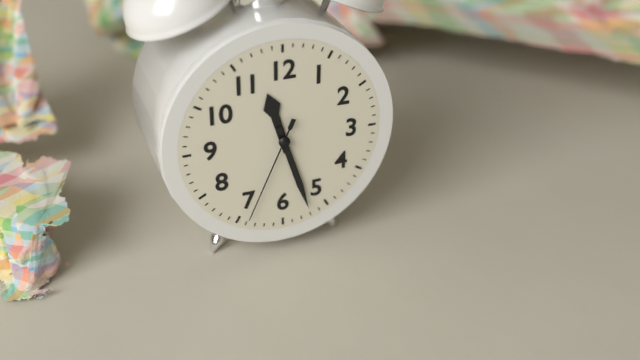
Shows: {"hour": 11, "minute": 27, "second": 34}
